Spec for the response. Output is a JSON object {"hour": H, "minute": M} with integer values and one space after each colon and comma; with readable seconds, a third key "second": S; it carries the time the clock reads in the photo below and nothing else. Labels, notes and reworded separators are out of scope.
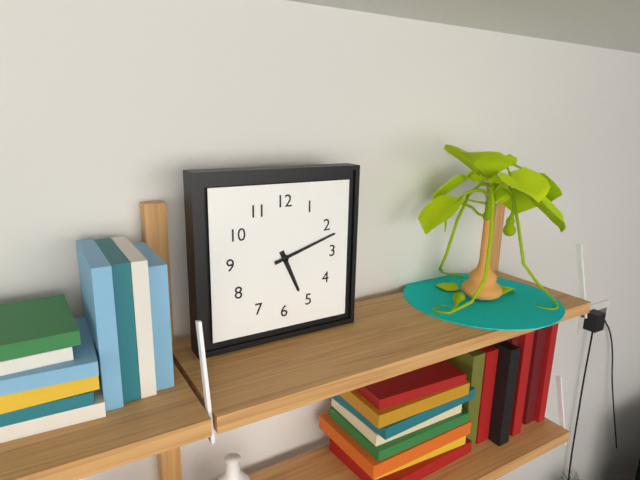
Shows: {"hour": 5, "minute": 12}
